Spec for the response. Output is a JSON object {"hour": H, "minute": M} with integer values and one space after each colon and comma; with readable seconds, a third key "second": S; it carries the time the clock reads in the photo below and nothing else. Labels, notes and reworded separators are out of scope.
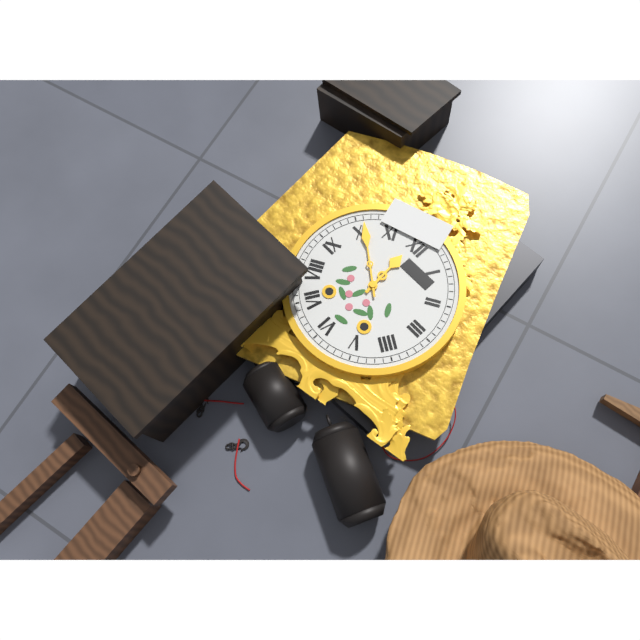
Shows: {"hour": 11, "minute": 51}
